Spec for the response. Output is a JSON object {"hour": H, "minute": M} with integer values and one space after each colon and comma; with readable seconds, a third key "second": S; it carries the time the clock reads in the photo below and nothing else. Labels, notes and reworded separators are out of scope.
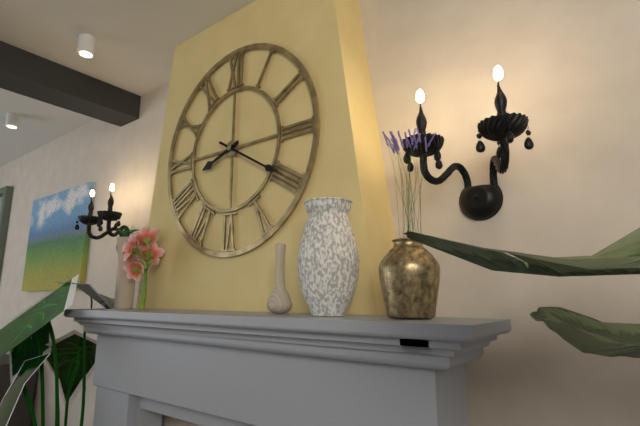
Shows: {"hour": 8, "minute": 20}
